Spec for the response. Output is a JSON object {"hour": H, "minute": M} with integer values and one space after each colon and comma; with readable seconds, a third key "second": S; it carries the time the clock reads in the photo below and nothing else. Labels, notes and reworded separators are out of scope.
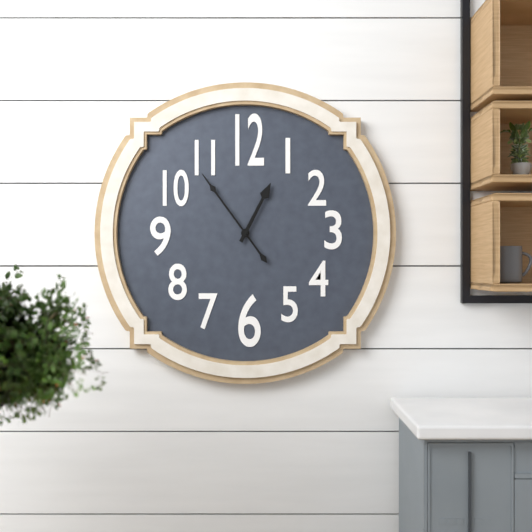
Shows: {"hour": 12, "minute": 54}
